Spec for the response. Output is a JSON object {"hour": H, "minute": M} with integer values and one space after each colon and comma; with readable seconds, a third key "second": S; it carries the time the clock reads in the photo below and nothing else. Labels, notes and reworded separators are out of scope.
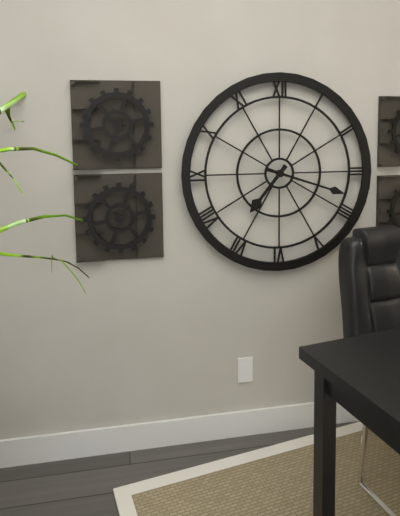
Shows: {"hour": 7, "minute": 18}
